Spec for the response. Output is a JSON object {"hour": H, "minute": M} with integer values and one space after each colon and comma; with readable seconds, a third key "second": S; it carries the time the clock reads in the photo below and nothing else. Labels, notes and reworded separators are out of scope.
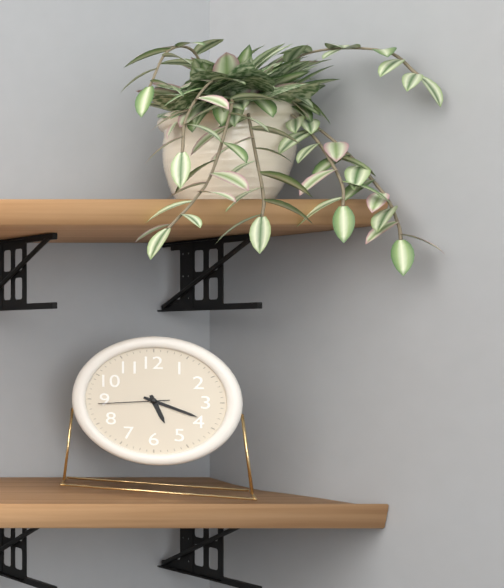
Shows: {"hour": 5, "minute": 19, "second": 44}
